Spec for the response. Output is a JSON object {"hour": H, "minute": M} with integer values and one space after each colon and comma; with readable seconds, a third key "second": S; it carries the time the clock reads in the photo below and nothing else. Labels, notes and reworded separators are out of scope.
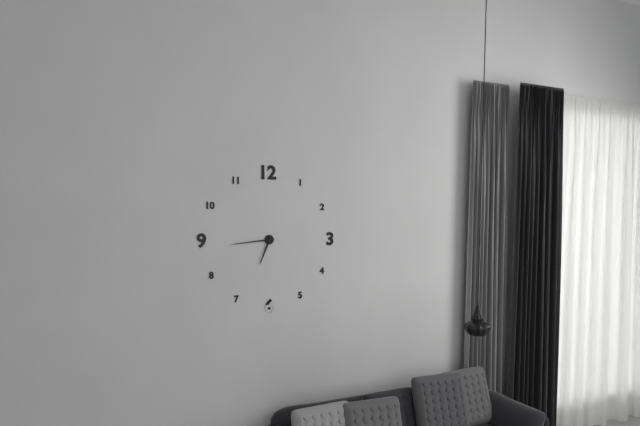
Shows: {"hour": 6, "minute": 44}
